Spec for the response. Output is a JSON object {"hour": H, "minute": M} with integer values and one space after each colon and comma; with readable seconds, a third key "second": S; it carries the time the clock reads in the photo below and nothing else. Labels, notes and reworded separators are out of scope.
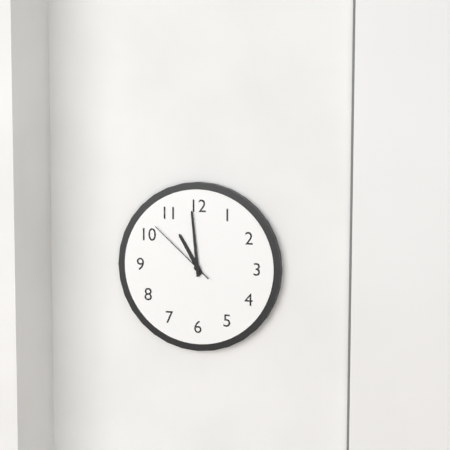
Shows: {"hour": 10, "minute": 59, "second": 52}
